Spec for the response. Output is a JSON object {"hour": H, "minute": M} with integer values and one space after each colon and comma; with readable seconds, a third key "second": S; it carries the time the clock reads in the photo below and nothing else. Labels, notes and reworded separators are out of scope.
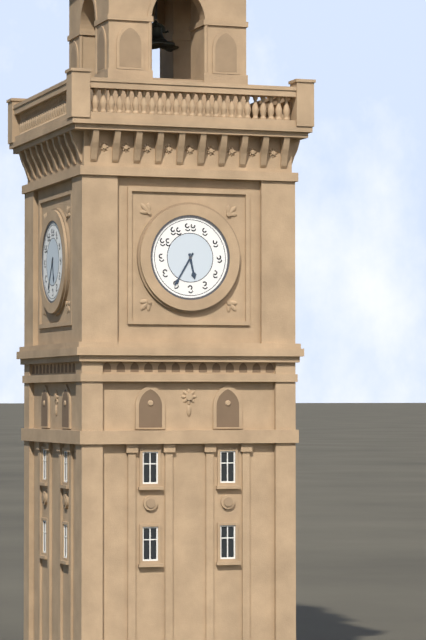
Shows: {"hour": 5, "minute": 35}
